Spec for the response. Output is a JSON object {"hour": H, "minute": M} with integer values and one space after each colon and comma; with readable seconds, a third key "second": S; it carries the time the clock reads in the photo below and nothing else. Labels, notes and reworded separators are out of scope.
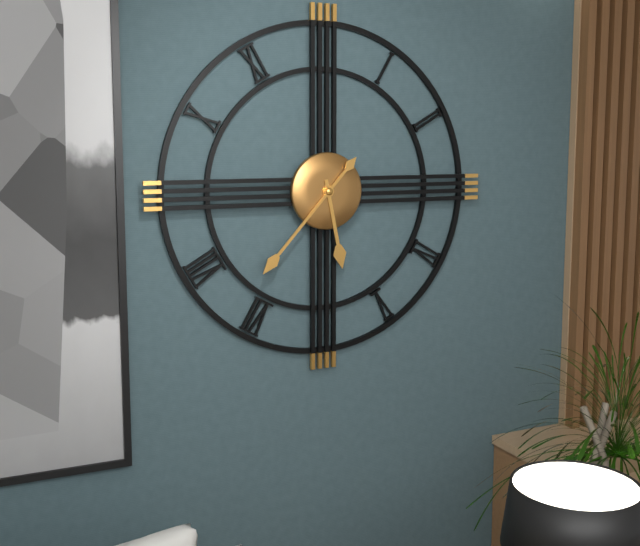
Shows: {"hour": 5, "minute": 37}
